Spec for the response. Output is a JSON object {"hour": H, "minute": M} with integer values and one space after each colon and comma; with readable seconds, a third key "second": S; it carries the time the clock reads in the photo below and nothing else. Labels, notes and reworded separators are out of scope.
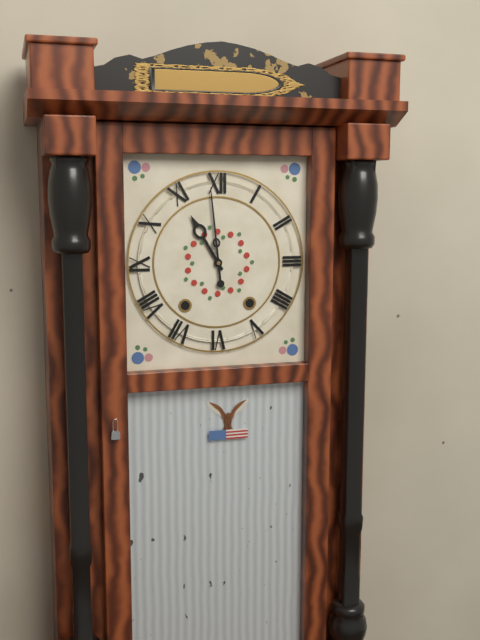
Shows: {"hour": 10, "minute": 59}
